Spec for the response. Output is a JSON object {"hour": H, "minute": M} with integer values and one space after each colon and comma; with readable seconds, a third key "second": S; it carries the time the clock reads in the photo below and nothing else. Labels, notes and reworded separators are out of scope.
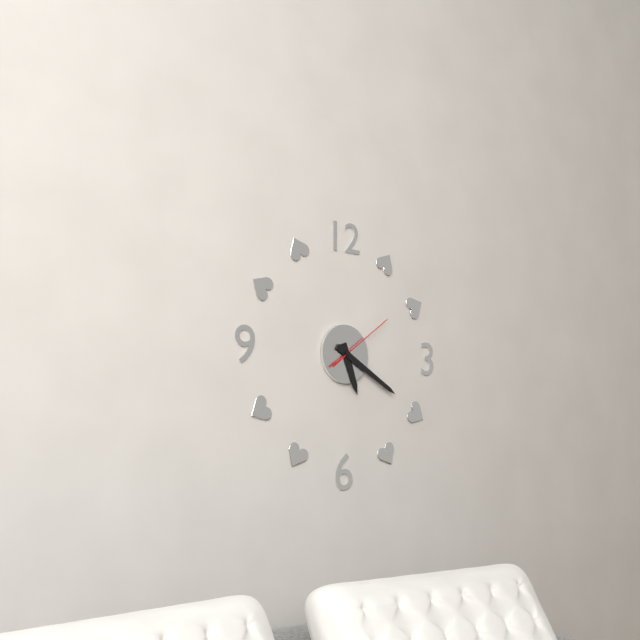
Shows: {"hour": 5, "minute": 20, "second": 9}
